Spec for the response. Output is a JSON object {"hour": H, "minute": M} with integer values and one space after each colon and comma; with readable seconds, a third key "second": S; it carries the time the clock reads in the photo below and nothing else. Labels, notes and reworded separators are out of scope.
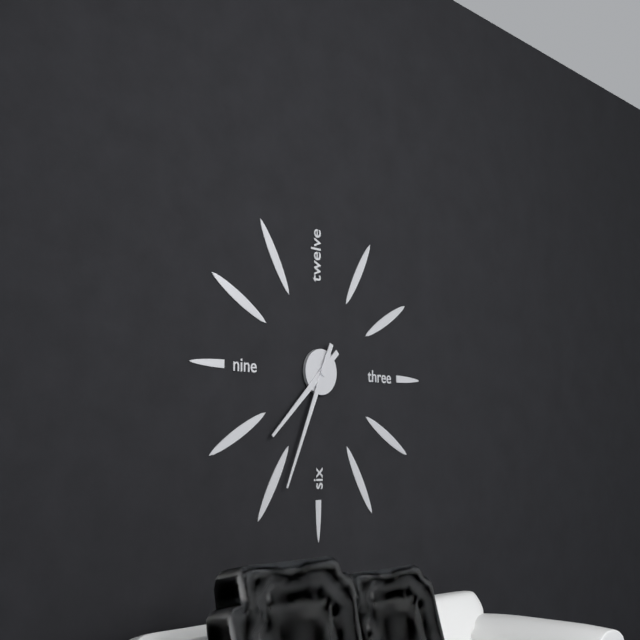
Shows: {"hour": 7, "minute": 34}
